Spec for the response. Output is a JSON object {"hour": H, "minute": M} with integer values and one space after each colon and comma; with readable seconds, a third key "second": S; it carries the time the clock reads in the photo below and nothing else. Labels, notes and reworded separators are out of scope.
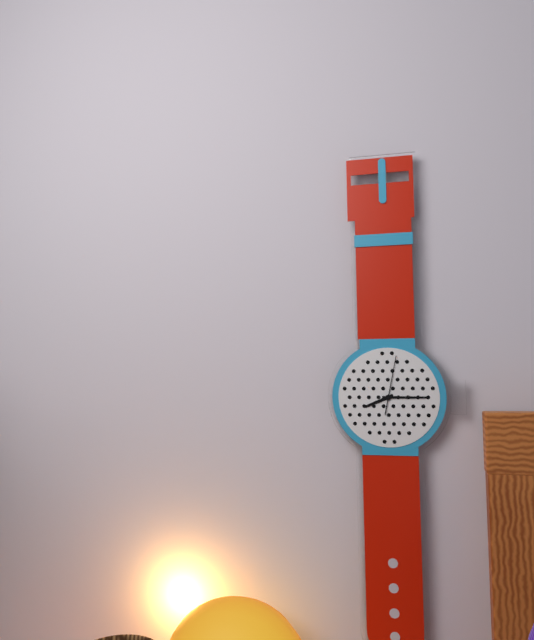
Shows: {"hour": 8, "minute": 15, "second": 2}
